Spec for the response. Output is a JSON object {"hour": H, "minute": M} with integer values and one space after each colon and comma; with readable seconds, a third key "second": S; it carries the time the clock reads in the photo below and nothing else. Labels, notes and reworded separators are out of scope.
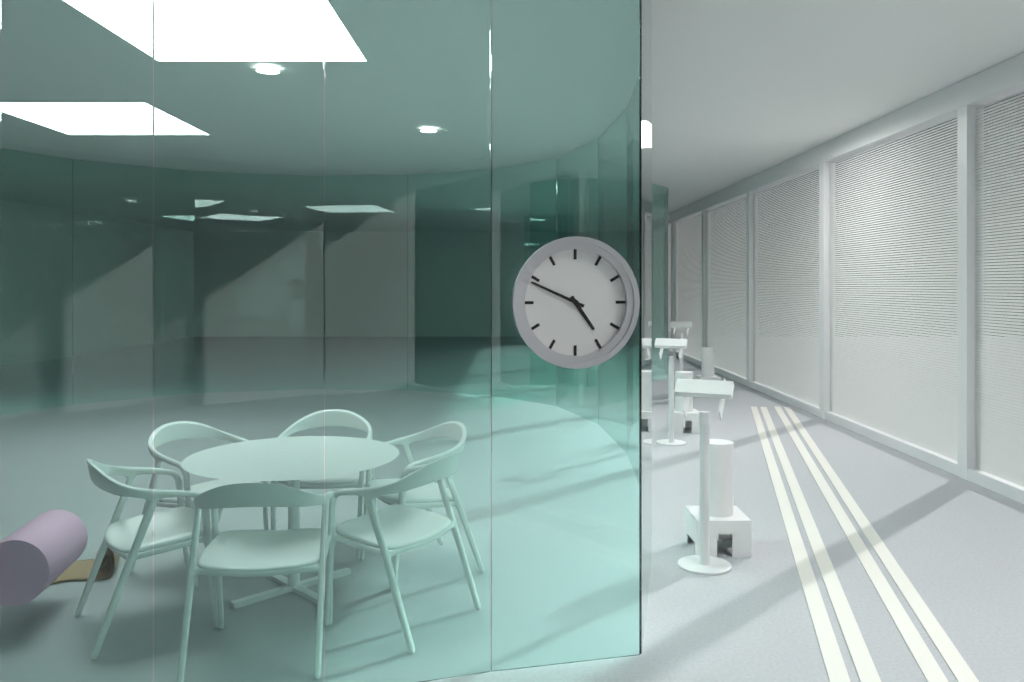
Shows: {"hour": 4, "minute": 49}
